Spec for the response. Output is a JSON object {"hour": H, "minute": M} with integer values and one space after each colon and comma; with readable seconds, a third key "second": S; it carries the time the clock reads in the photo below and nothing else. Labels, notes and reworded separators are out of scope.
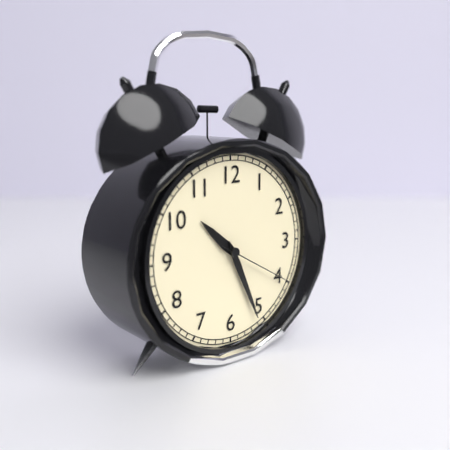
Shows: {"hour": 10, "minute": 26, "second": 20}
